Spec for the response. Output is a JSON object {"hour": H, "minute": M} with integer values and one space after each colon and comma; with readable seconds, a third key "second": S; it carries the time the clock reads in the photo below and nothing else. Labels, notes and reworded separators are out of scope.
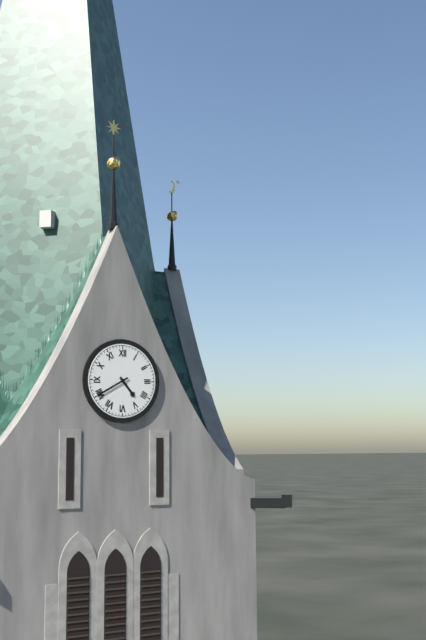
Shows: {"hour": 4, "minute": 40}
